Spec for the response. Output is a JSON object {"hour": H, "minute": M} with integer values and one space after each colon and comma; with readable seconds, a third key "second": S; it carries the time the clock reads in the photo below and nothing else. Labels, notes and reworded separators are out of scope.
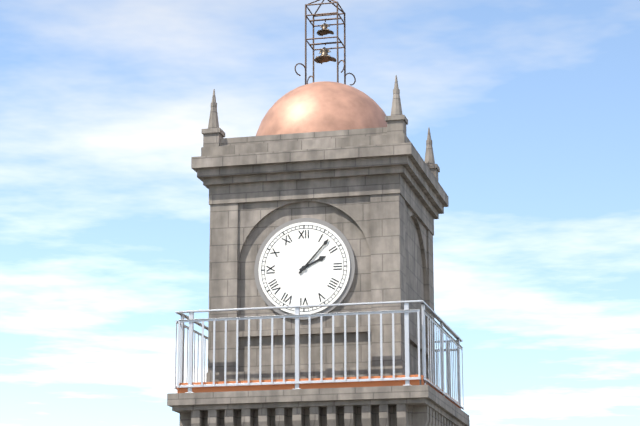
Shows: {"hour": 2, "minute": 7}
